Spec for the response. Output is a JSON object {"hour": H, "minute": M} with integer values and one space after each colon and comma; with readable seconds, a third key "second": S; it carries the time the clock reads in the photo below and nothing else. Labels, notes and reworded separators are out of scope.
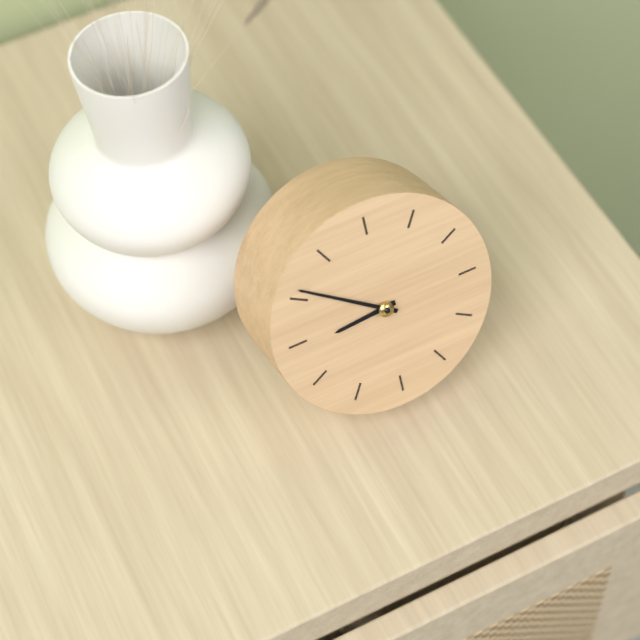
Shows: {"hour": 8, "minute": 51}
